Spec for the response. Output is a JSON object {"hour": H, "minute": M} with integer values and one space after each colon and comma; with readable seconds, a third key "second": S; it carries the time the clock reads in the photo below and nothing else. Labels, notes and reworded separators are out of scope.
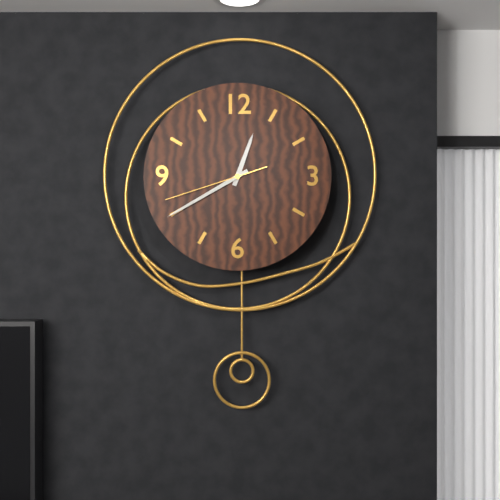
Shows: {"hour": 12, "minute": 40, "second": 42}
